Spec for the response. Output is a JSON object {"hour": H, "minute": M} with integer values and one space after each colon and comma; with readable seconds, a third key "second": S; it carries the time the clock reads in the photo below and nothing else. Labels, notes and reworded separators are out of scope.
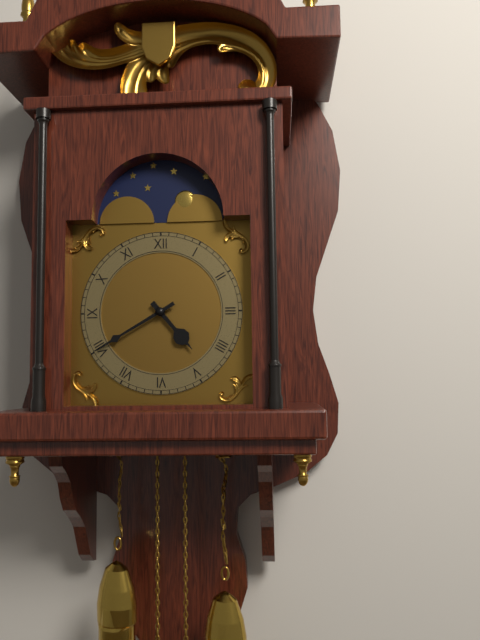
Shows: {"hour": 4, "minute": 40}
